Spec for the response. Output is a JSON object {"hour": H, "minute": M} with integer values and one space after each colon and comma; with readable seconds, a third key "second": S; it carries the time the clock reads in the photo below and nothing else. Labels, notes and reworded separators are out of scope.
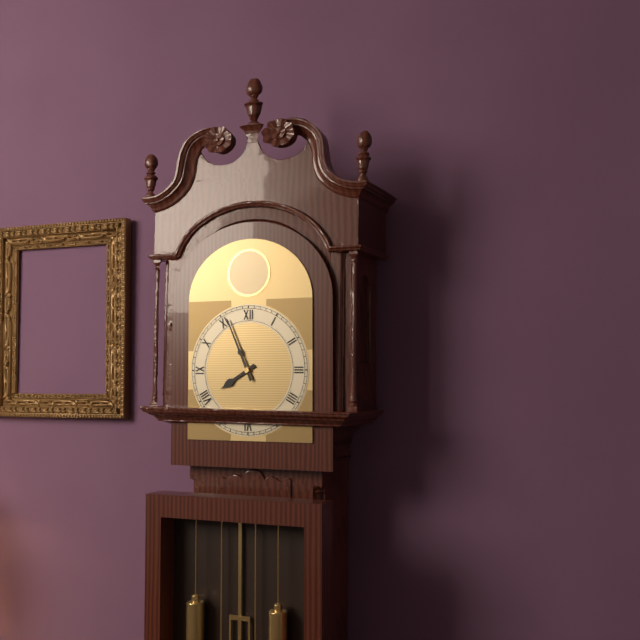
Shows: {"hour": 7, "minute": 56}
